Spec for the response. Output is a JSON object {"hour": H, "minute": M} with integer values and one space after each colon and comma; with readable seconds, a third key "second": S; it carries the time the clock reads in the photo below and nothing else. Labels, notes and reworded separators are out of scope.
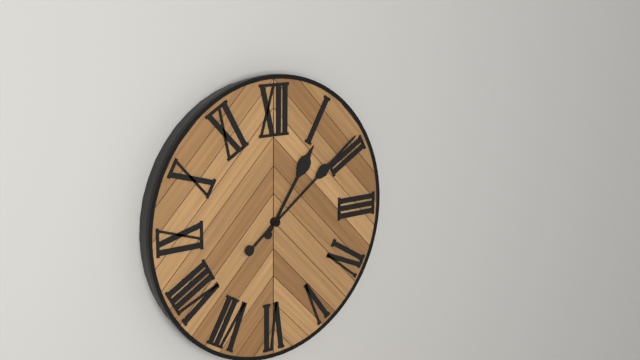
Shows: {"hour": 1, "minute": 9}
